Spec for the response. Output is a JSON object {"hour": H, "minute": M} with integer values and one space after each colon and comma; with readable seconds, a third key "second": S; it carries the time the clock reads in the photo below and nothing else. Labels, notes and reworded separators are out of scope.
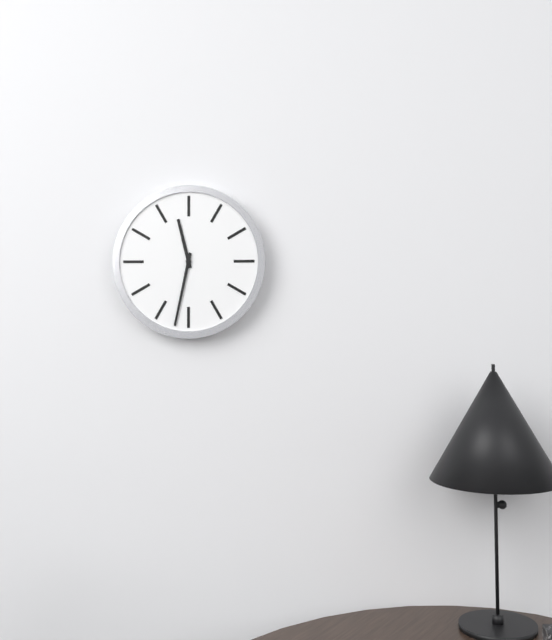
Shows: {"hour": 11, "minute": 32}
